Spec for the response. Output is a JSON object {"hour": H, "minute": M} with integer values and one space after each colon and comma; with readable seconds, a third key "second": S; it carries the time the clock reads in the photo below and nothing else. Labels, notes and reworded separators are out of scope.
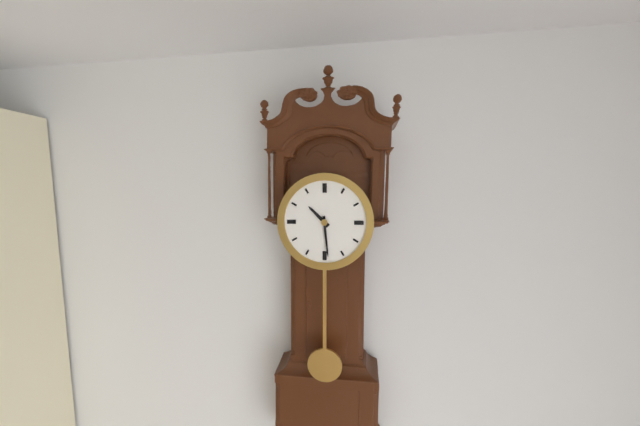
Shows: {"hour": 10, "minute": 29}
